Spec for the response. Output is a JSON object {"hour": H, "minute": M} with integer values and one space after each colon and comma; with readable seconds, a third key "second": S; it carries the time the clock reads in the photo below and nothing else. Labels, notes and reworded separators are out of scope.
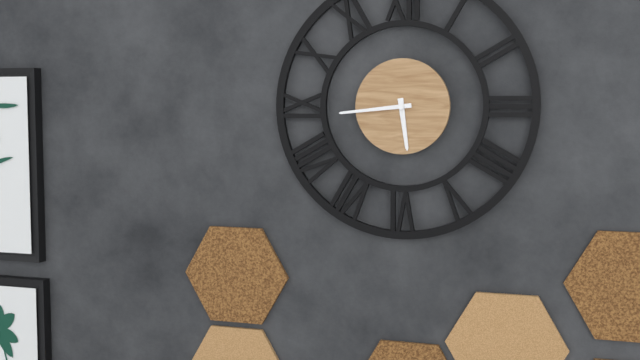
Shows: {"hour": 5, "minute": 44}
